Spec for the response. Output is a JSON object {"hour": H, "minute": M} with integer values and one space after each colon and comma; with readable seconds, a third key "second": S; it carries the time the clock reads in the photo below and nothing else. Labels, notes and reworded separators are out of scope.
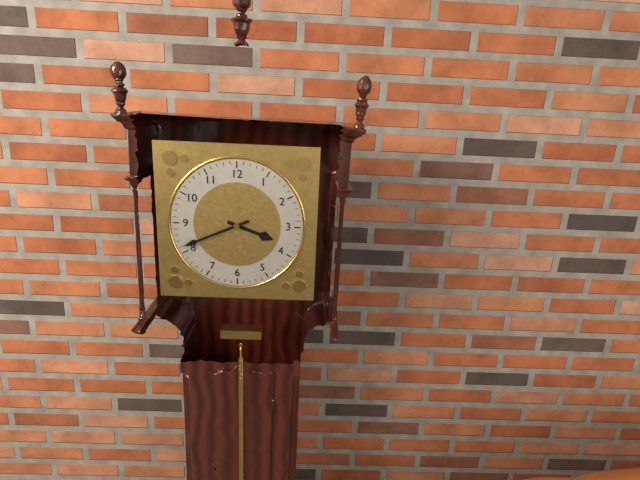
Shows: {"hour": 3, "minute": 41}
